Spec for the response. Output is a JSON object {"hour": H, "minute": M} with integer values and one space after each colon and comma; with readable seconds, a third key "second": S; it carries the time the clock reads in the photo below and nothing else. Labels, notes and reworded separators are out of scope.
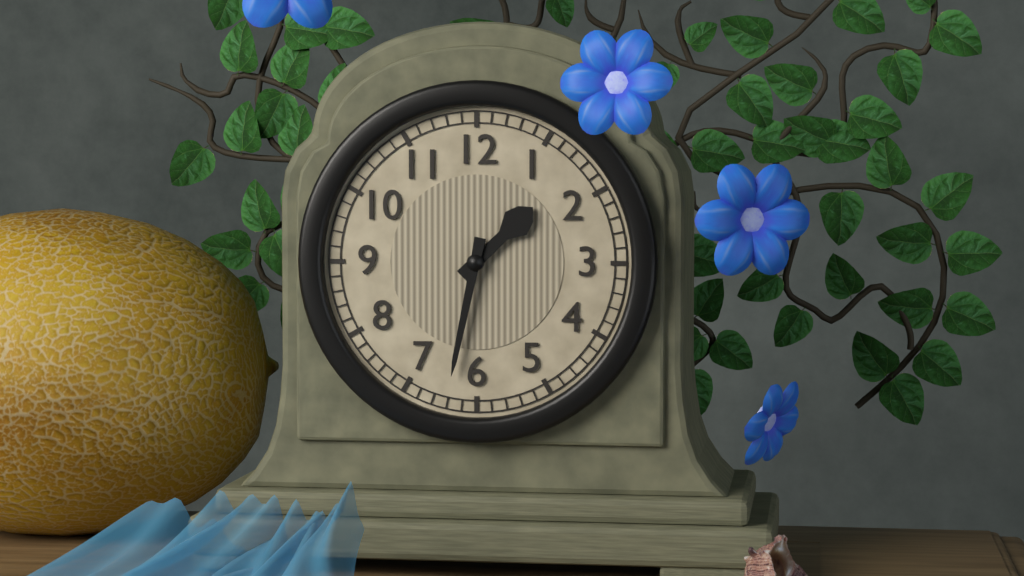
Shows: {"hour": 1, "minute": 32}
